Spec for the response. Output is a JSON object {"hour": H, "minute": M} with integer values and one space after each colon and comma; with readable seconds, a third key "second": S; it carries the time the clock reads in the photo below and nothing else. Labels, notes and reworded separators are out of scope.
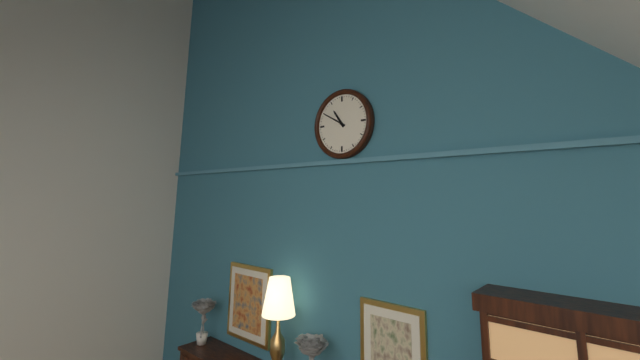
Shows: {"hour": 10, "minute": 50}
